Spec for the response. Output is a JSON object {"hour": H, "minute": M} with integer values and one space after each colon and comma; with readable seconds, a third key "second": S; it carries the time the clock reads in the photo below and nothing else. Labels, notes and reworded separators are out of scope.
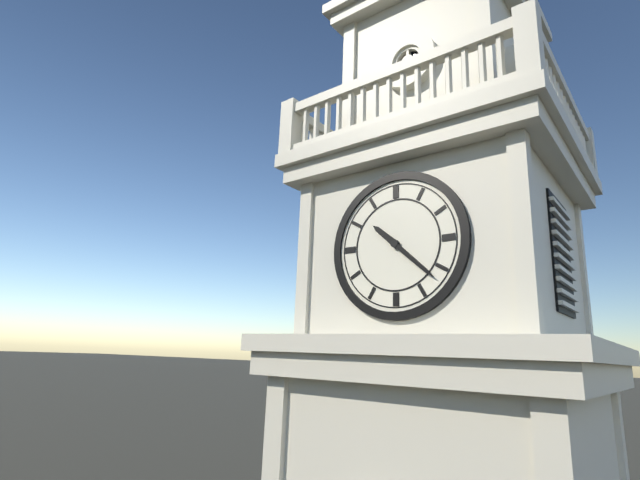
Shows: {"hour": 10, "minute": 22}
